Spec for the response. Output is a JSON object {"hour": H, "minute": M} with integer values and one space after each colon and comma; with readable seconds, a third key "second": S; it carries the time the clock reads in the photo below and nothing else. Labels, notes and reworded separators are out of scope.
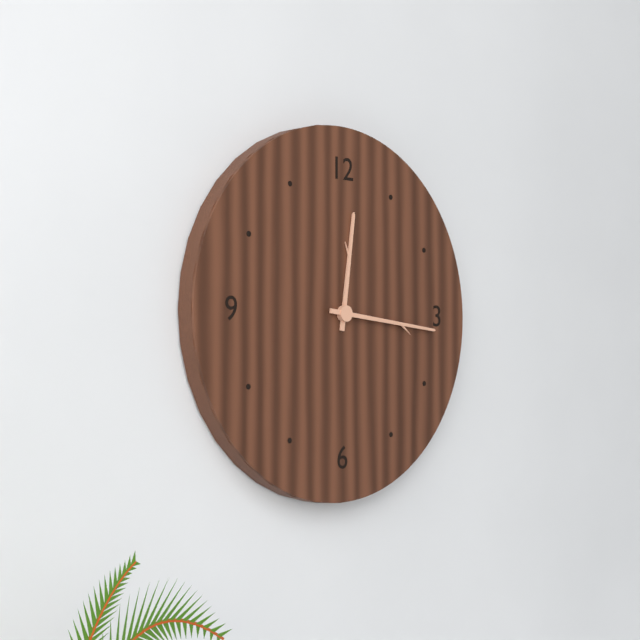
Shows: {"hour": 12, "minute": 16}
